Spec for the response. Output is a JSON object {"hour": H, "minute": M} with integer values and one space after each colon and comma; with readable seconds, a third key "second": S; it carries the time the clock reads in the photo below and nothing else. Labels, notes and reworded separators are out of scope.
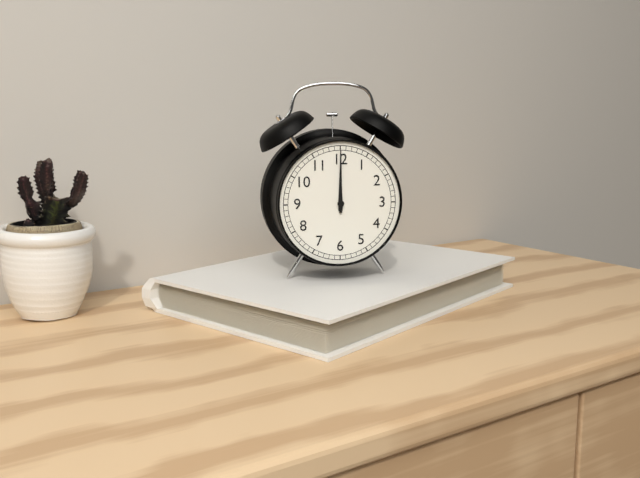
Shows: {"hour": 12, "minute": 0}
